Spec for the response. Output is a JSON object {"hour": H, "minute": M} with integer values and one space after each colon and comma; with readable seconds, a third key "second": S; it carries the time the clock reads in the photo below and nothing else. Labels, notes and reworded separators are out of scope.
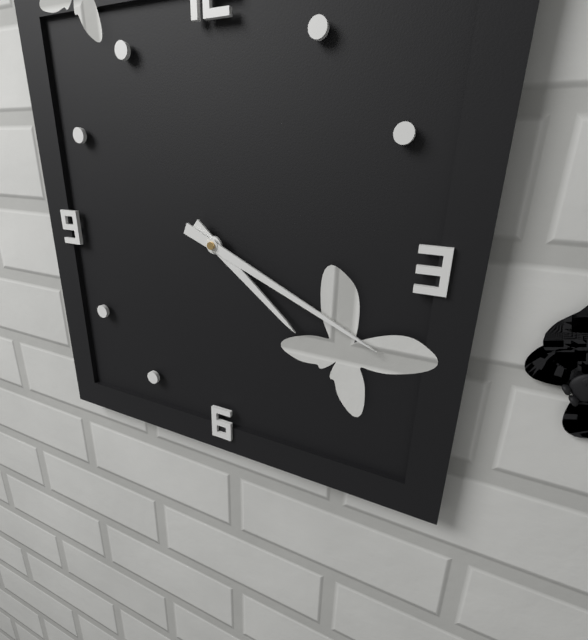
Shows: {"hour": 4, "minute": 19}
